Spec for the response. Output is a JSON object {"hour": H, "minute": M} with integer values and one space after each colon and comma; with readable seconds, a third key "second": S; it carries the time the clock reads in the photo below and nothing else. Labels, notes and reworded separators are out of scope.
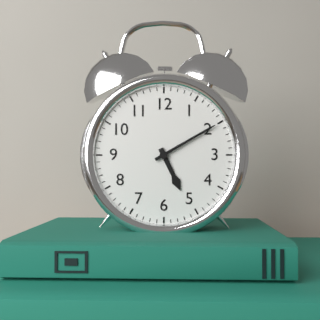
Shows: {"hour": 5, "minute": 10}
